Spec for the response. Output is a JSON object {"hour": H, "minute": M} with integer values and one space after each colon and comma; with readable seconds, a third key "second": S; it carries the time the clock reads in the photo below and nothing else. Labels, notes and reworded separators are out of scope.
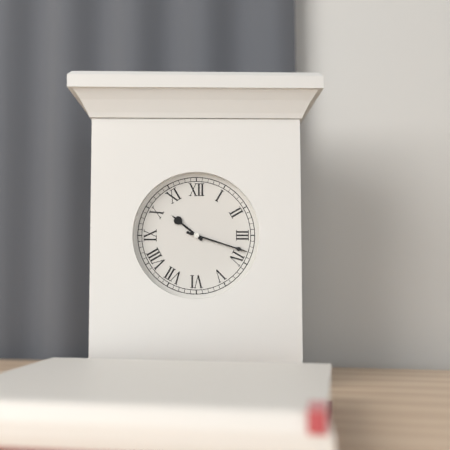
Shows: {"hour": 10, "minute": 18}
